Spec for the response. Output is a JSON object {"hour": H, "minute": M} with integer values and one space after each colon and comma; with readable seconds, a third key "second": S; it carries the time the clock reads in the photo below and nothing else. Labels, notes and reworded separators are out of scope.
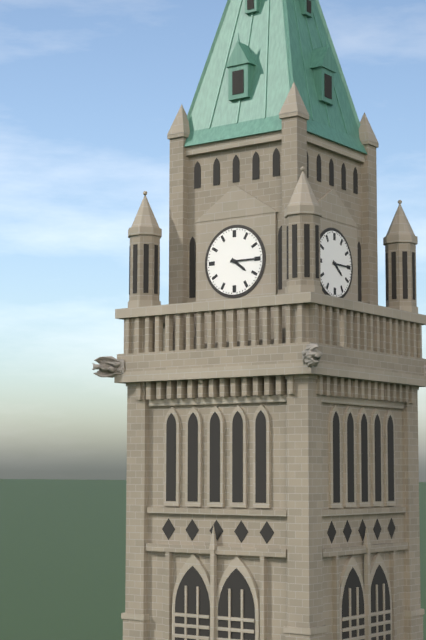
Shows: {"hour": 4, "minute": 15}
